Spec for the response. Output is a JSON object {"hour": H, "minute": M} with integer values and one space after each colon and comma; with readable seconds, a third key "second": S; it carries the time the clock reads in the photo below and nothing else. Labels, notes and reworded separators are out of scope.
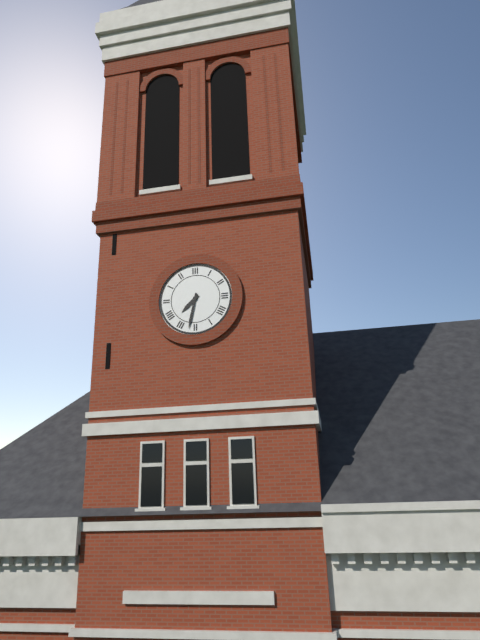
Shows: {"hour": 7, "minute": 32}
